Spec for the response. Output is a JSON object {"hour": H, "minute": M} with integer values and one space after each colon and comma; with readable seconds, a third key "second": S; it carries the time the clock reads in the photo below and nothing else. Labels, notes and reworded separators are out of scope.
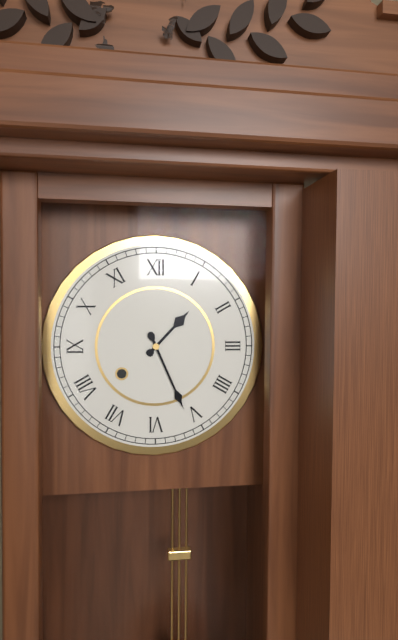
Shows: {"hour": 1, "minute": 26}
